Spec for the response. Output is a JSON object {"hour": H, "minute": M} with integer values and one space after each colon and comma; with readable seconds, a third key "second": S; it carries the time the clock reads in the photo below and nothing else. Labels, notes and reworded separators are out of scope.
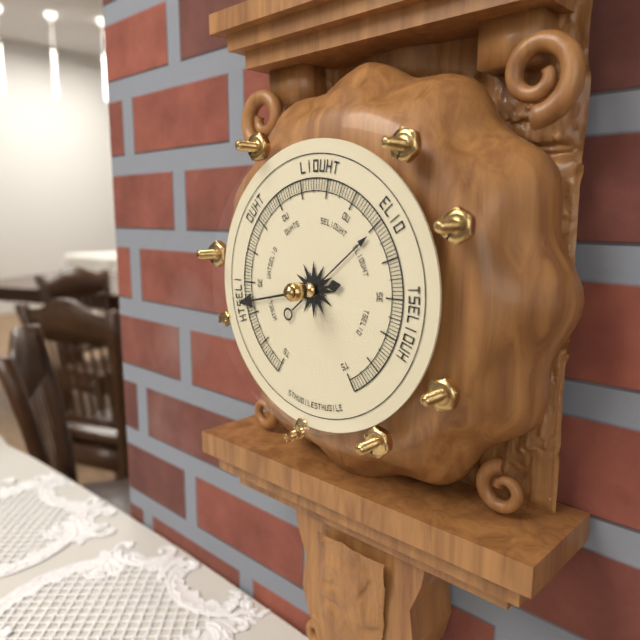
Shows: {"hour": 1, "minute": 43}
